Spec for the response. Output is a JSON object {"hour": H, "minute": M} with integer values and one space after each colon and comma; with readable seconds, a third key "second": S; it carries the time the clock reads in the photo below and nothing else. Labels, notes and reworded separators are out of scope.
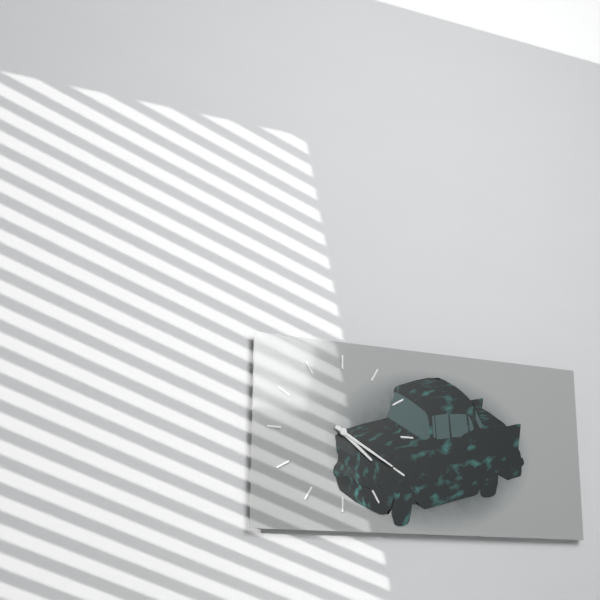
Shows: {"hour": 4, "minute": 20}
